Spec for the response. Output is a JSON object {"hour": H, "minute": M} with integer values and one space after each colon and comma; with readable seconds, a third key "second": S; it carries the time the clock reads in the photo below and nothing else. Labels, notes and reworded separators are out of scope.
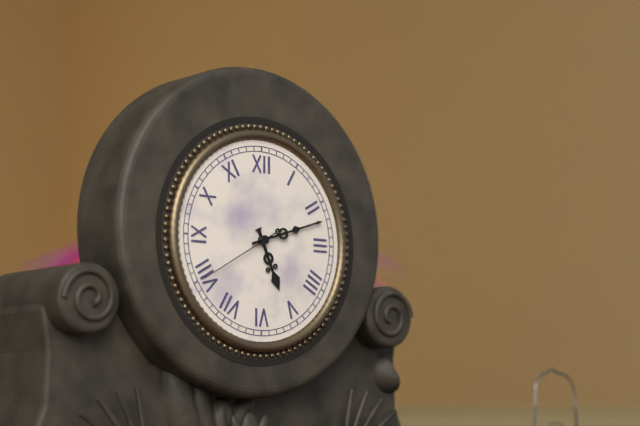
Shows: {"hour": 5, "minute": 12, "second": 40}
